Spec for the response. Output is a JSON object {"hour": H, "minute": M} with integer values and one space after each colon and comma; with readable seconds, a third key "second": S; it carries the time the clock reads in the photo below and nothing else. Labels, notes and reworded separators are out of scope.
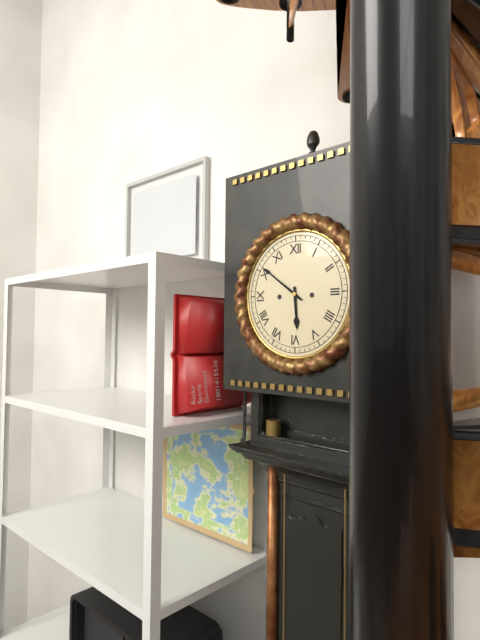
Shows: {"hour": 5, "minute": 51}
